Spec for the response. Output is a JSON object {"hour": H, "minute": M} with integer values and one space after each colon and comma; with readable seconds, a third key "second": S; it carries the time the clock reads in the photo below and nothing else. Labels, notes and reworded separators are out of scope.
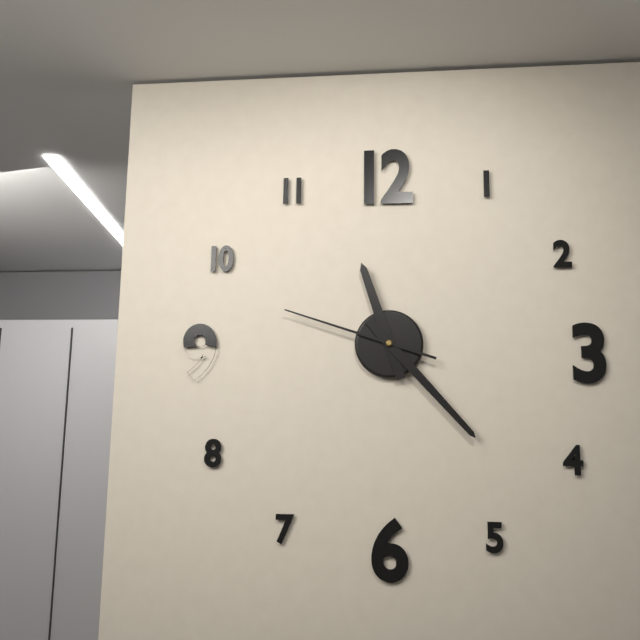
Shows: {"hour": 11, "minute": 23, "second": 48}
